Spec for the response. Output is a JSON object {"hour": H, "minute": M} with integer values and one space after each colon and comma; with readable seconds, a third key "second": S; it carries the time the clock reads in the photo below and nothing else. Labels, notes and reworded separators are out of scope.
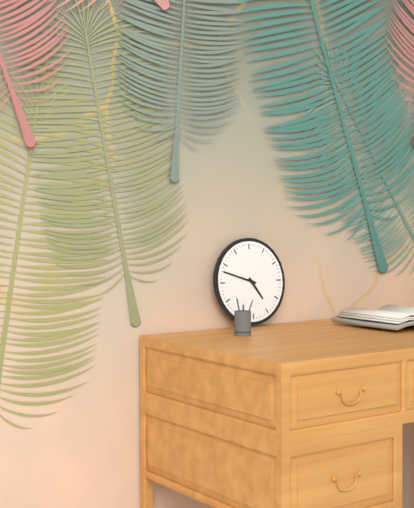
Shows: {"hour": 4, "minute": 48}
